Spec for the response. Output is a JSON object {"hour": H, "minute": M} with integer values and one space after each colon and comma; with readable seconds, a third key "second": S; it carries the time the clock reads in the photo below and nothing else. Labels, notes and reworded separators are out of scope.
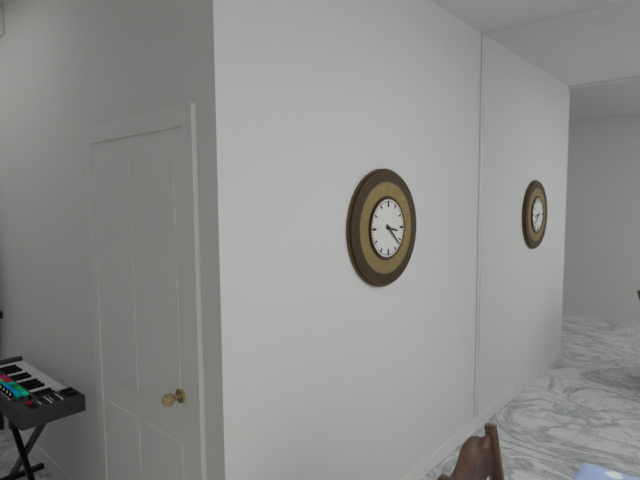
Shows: {"hour": 3, "minute": 22}
